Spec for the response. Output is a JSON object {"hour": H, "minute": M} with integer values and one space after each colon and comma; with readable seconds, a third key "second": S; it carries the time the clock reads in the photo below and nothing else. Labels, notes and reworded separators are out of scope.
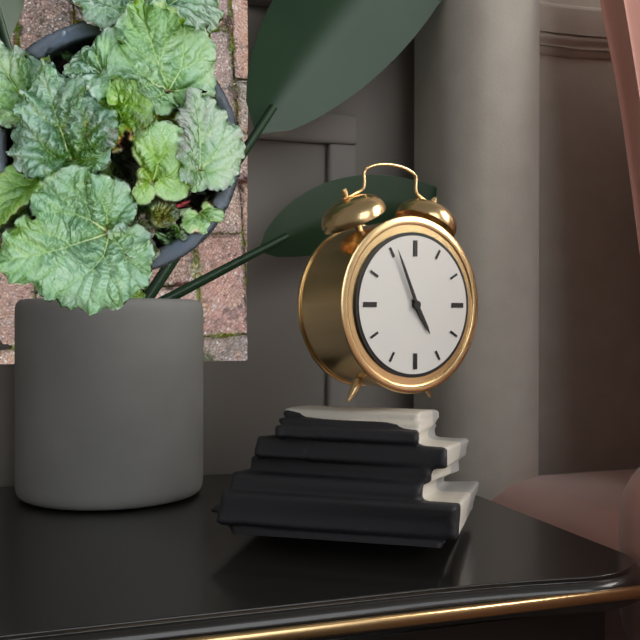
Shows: {"hour": 4, "minute": 56}
